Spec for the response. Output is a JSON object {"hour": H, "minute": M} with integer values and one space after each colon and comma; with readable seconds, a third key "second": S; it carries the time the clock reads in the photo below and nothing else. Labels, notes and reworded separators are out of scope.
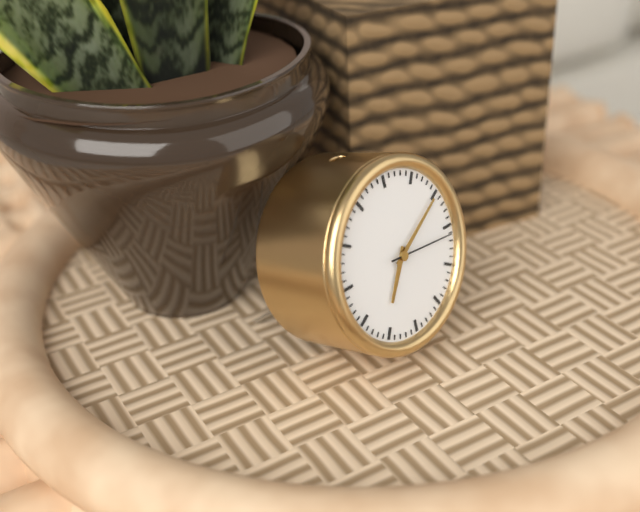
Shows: {"hour": 7, "minute": 10, "second": 16}
